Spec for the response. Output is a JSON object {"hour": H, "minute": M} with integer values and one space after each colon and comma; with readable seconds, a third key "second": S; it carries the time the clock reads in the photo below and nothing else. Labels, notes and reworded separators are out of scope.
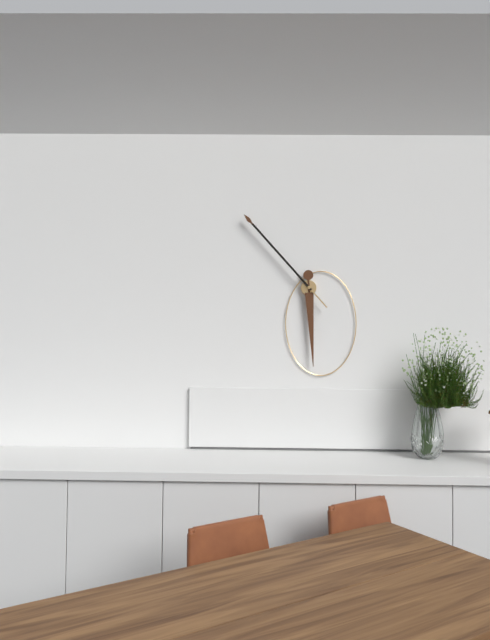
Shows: {"hour": 5, "minute": 53}
